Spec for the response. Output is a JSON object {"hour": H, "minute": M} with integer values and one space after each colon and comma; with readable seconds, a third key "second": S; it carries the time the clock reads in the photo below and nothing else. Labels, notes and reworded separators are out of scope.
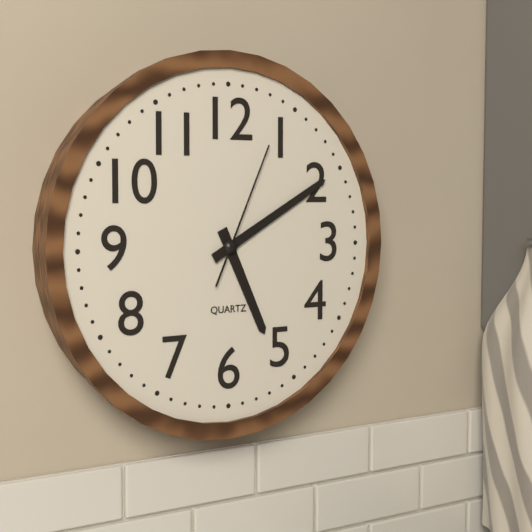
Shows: {"hour": 5, "minute": 10, "second": 4}
